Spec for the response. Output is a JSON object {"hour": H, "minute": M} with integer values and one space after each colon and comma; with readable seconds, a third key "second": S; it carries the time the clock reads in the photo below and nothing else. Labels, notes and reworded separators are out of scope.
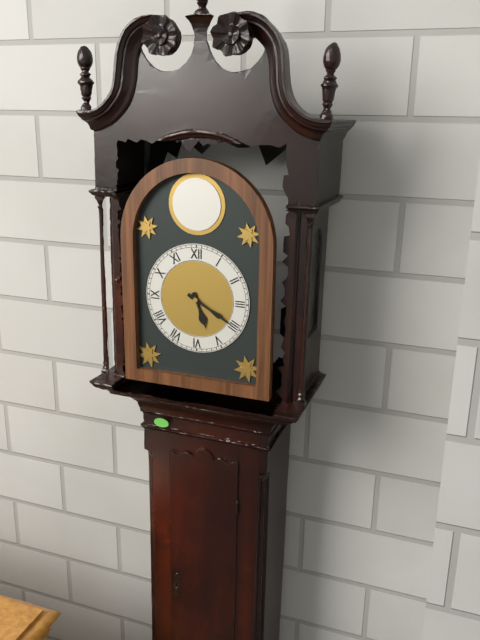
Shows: {"hour": 5, "minute": 20}
